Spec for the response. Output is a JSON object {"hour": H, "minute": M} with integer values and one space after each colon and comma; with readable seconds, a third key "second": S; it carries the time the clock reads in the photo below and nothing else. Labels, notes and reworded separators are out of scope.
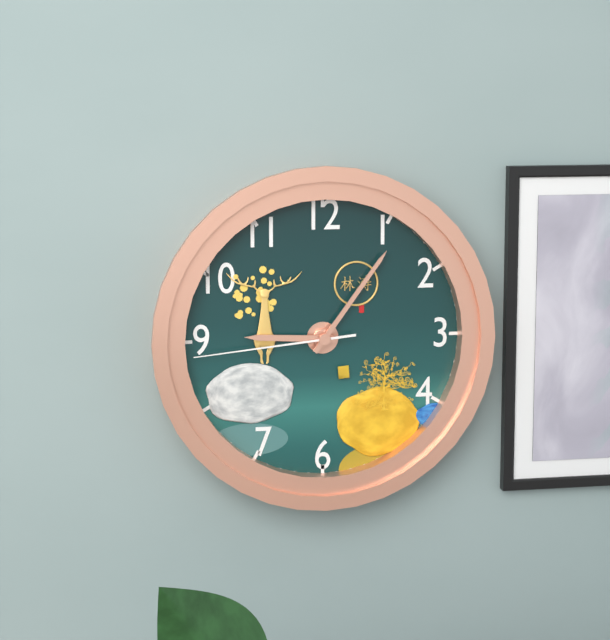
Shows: {"hour": 9, "minute": 6, "second": 44}
